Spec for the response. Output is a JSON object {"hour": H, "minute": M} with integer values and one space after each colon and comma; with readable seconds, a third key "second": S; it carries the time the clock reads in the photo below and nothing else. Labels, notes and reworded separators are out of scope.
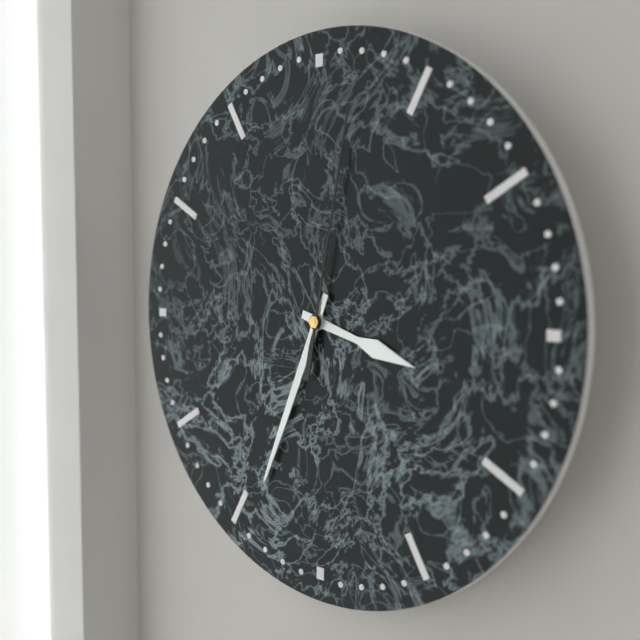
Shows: {"hour": 3, "minute": 34, "second": 2}
